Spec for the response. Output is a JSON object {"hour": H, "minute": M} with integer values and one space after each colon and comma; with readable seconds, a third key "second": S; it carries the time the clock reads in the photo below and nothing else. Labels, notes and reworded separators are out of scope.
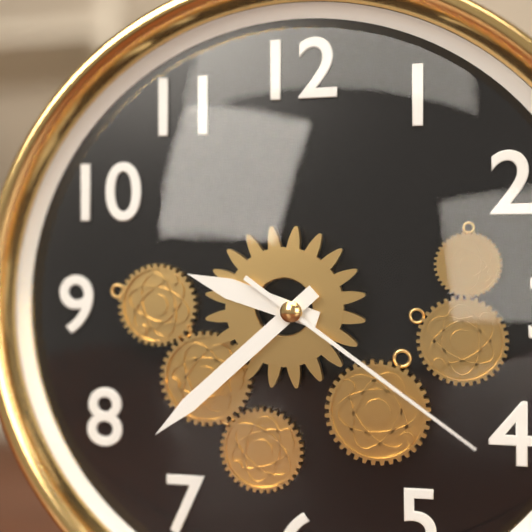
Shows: {"hour": 9, "minute": 38, "second": 21}
